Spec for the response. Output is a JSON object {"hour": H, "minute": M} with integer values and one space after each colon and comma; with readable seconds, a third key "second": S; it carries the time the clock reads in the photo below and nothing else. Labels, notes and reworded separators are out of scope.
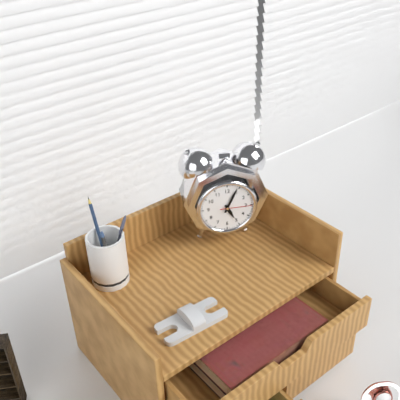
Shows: {"hour": 5, "minute": 4}
